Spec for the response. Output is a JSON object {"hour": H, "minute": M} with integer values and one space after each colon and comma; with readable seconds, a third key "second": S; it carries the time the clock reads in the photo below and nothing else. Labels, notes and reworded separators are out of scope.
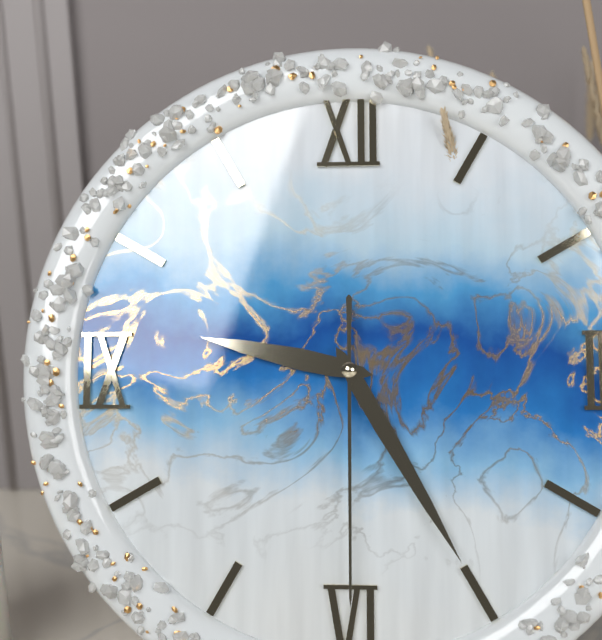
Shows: {"hour": 9, "minute": 25, "second": 30}
